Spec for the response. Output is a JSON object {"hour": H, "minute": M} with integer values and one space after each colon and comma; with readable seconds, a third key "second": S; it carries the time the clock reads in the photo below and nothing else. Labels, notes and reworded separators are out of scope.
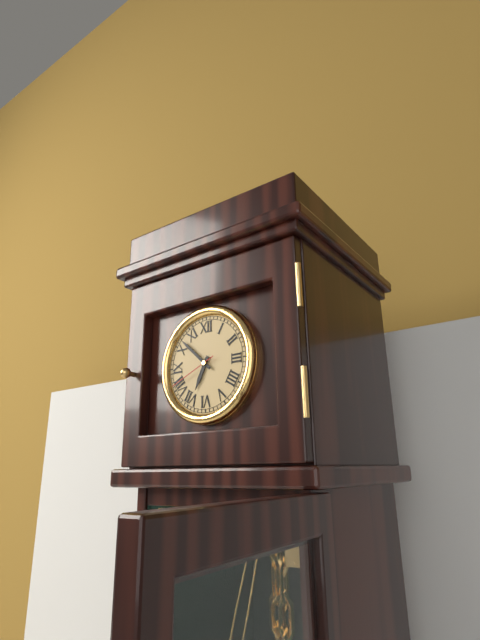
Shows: {"hour": 6, "minute": 52, "second": 41}
